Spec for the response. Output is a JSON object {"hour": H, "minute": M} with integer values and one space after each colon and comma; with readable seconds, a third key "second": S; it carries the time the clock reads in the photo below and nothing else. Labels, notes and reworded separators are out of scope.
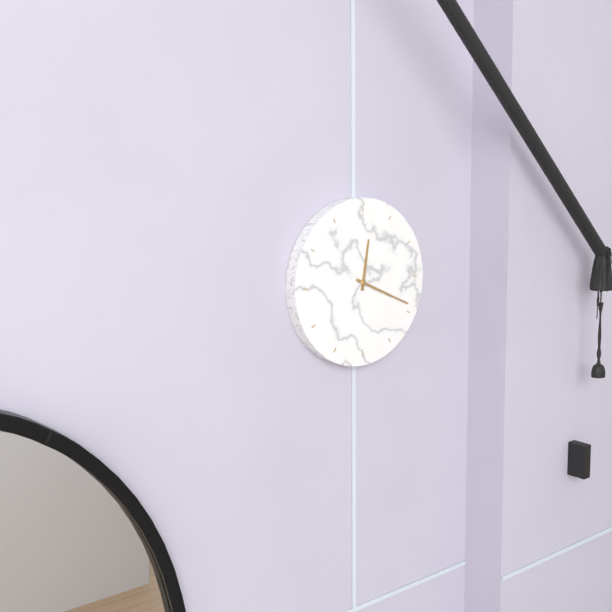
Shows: {"hour": 12, "minute": 19}
